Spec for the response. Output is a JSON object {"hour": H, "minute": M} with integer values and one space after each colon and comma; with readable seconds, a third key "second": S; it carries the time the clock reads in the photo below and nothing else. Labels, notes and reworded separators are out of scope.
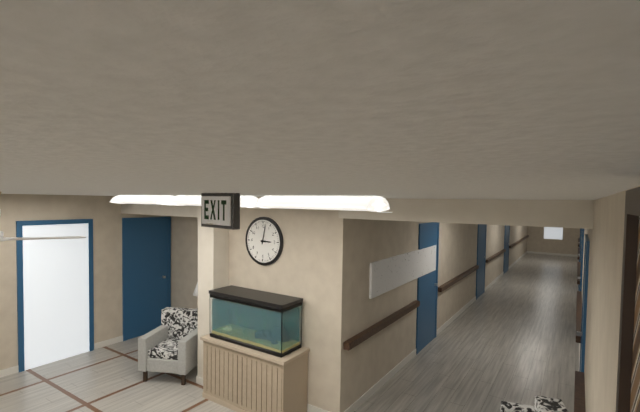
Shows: {"hour": 3, "minute": 2}
